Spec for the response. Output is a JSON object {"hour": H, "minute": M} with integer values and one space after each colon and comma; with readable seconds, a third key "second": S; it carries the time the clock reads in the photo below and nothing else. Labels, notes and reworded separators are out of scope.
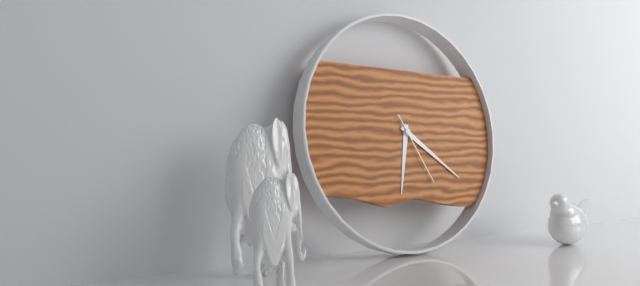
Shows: {"hour": 6, "minute": 21, "second": 25}
